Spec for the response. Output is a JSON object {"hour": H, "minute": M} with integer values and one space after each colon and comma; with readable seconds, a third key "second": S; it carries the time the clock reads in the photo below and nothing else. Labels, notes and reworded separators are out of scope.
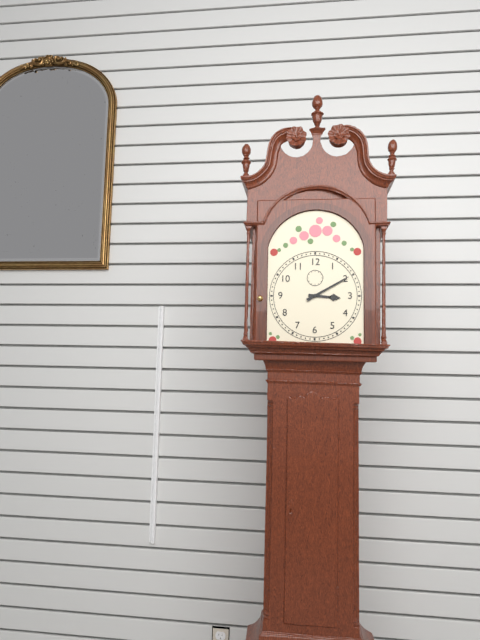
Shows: {"hour": 3, "minute": 10}
